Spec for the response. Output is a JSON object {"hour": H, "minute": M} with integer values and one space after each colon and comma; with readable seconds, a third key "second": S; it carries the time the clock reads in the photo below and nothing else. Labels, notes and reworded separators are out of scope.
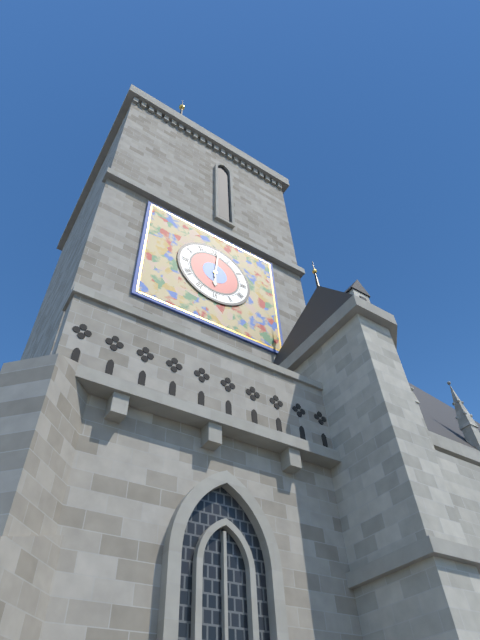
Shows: {"hour": 6, "minute": 1}
